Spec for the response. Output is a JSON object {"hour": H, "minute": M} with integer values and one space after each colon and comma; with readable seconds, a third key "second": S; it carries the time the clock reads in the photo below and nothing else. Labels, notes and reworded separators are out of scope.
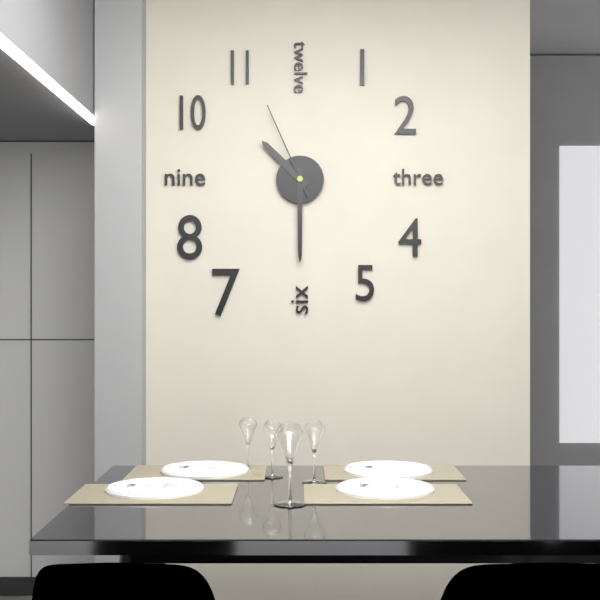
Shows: {"hour": 10, "minute": 30, "second": 56}
